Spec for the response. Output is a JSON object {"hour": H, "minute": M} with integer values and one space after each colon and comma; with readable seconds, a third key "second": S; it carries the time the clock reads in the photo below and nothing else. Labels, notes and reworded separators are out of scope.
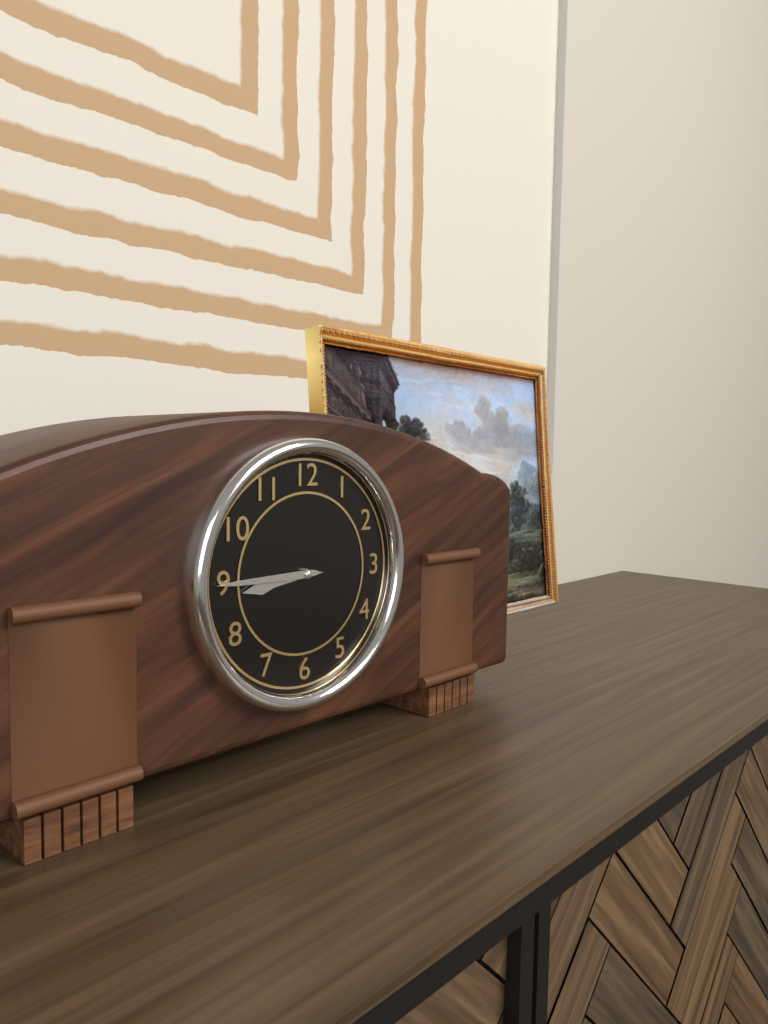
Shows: {"hour": 8, "minute": 45}
